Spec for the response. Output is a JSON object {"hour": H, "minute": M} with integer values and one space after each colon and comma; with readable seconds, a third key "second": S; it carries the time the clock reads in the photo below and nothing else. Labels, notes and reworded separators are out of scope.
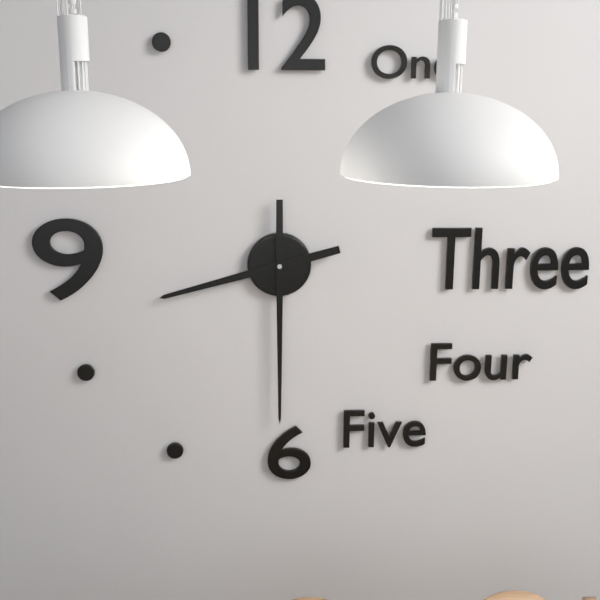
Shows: {"hour": 8, "minute": 30}
